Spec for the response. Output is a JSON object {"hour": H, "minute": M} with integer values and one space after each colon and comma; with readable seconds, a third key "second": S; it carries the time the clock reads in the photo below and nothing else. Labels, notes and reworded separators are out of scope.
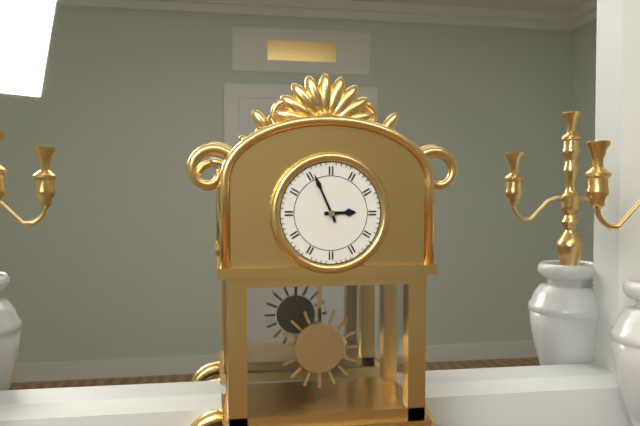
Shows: {"hour": 2, "minute": 56}
